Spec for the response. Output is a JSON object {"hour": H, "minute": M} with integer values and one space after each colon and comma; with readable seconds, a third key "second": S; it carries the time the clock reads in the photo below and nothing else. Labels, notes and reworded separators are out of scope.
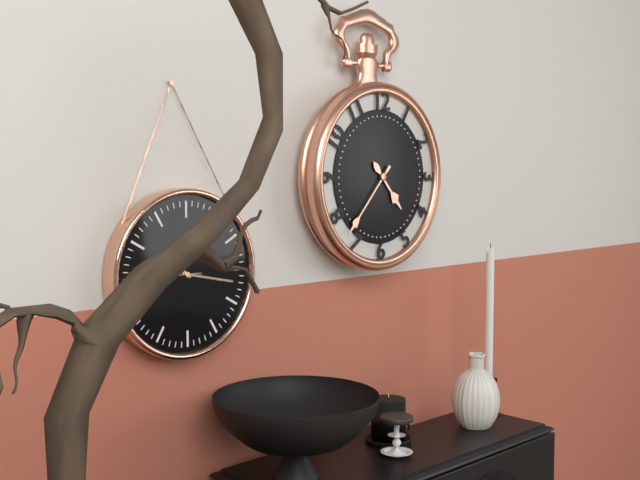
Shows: {"hour": 4, "minute": 37}
